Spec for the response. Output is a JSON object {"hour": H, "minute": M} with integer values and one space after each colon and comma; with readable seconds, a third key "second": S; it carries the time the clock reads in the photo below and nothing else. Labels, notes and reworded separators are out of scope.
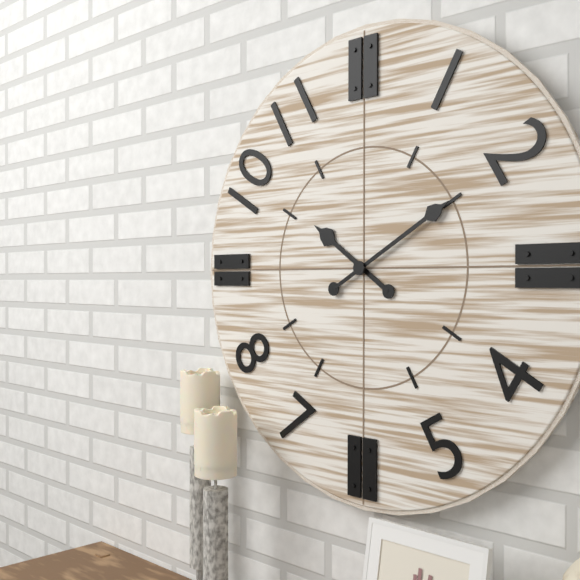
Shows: {"hour": 10, "minute": 10}
